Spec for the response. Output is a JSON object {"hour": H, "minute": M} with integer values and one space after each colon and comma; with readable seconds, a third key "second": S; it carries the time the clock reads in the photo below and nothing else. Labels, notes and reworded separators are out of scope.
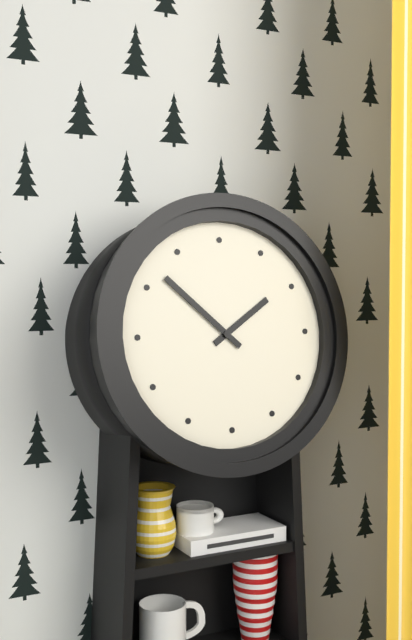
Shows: {"hour": 1, "minute": 52}
